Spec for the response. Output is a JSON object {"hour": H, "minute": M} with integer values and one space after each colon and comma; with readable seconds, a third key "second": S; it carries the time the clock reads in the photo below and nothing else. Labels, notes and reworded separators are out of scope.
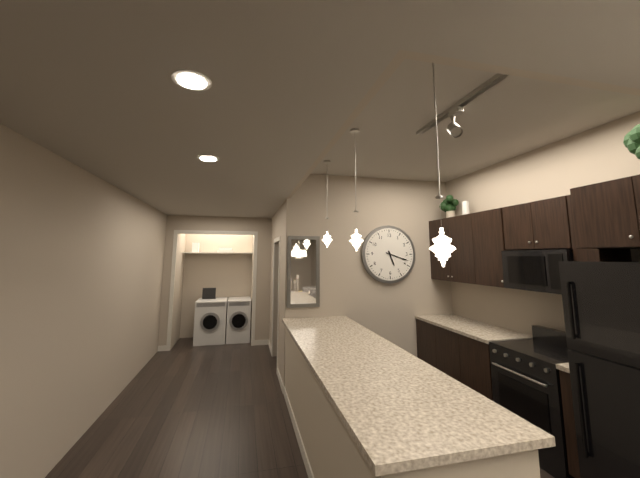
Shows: {"hour": 5, "minute": 18}
